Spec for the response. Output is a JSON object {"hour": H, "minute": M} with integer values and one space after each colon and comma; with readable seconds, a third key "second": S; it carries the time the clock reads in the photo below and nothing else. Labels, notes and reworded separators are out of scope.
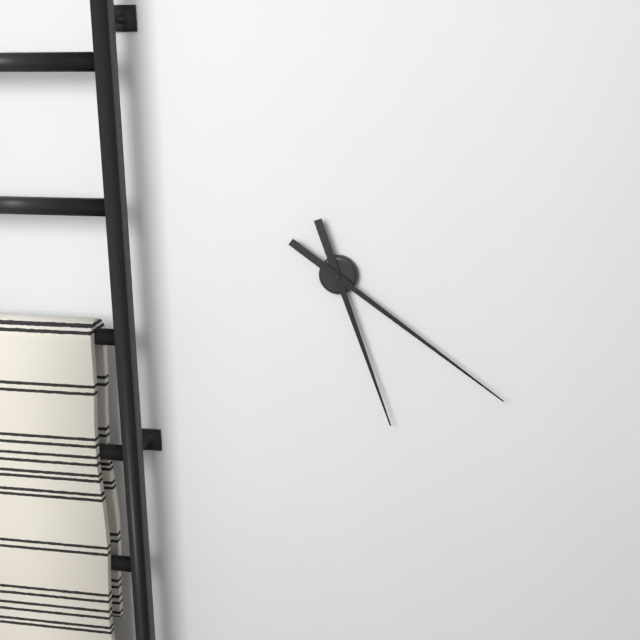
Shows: {"hour": 5, "minute": 21}
